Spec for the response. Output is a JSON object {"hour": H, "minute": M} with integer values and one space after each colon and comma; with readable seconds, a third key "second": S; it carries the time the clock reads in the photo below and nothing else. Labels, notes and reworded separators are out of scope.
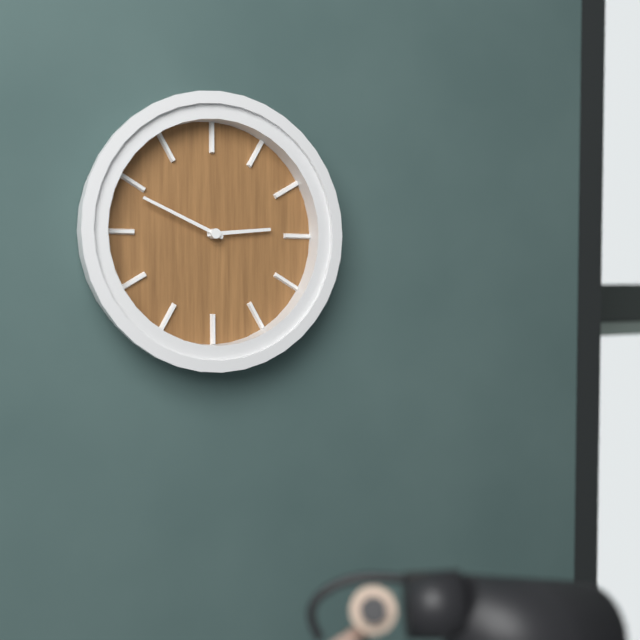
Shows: {"hour": 2, "minute": 49}
